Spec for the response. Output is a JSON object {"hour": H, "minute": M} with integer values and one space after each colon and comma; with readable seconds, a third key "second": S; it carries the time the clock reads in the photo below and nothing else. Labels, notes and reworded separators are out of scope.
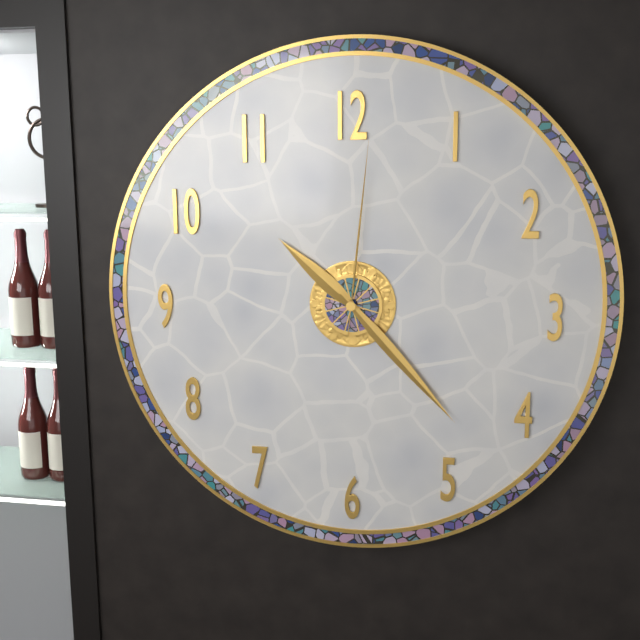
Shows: {"hour": 10, "minute": 23, "second": 1}
